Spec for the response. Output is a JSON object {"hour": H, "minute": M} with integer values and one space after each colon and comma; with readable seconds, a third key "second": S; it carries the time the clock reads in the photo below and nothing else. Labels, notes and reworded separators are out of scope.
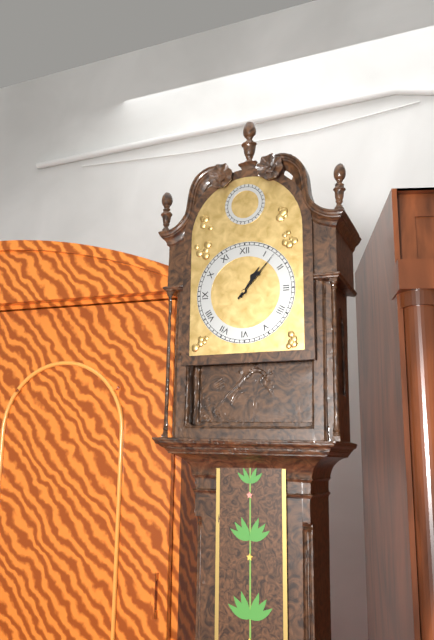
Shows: {"hour": 1, "minute": 7}
